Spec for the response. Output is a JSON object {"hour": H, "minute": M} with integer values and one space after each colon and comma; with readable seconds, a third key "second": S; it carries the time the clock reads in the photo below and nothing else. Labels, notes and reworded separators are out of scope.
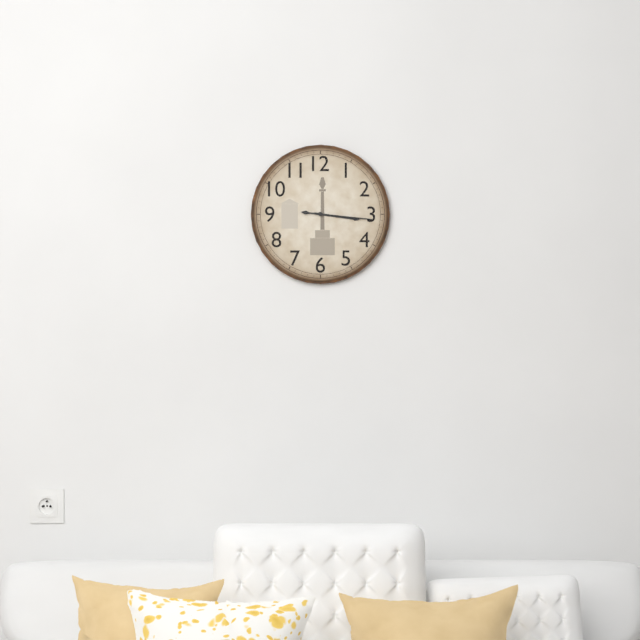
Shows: {"hour": 3, "minute": 16}
